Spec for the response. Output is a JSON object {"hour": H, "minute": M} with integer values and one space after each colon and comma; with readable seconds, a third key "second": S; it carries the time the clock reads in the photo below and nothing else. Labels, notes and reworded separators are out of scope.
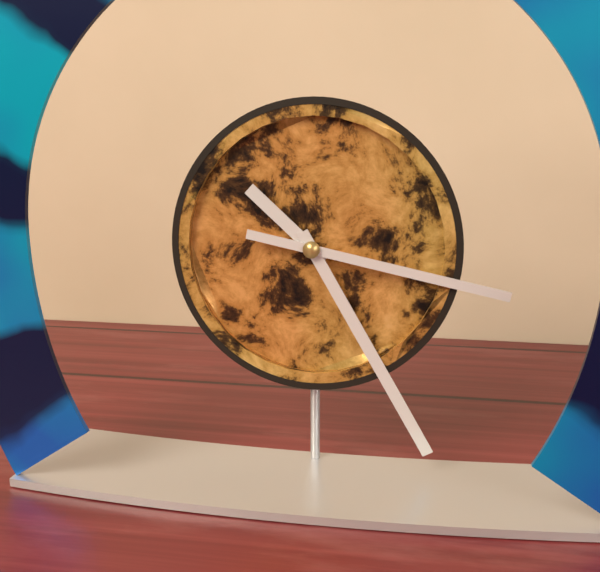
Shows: {"hour": 10, "minute": 25, "second": 17}
